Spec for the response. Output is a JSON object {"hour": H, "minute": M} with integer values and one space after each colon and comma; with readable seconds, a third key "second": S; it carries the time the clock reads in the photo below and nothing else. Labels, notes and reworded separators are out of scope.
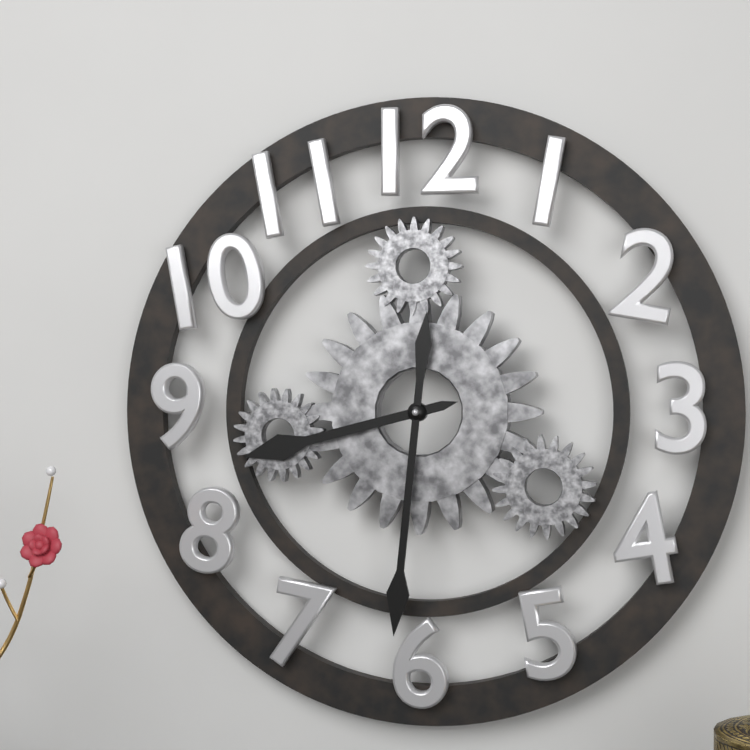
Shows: {"hour": 8, "minute": 31}
